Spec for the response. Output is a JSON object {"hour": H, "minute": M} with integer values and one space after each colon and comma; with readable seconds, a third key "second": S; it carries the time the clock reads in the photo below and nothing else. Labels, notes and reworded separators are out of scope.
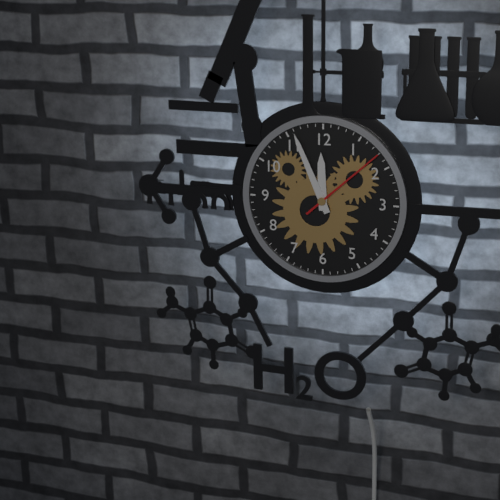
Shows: {"hour": 11, "minute": 56, "second": 8}
